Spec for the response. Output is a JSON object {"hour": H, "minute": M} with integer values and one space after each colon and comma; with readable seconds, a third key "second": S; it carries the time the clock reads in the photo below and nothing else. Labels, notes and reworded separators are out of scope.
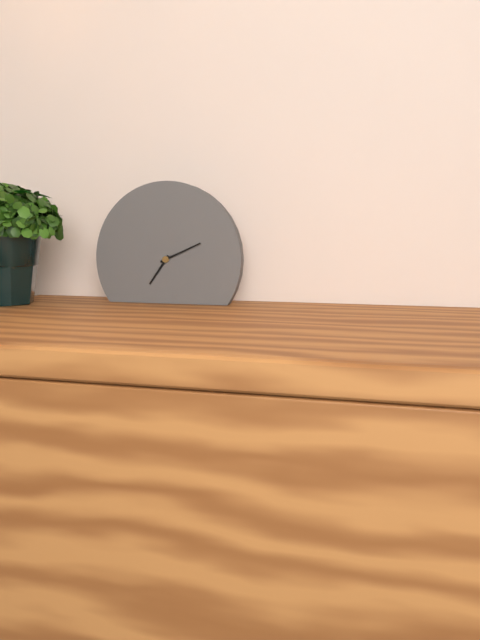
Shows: {"hour": 7, "minute": 11}
